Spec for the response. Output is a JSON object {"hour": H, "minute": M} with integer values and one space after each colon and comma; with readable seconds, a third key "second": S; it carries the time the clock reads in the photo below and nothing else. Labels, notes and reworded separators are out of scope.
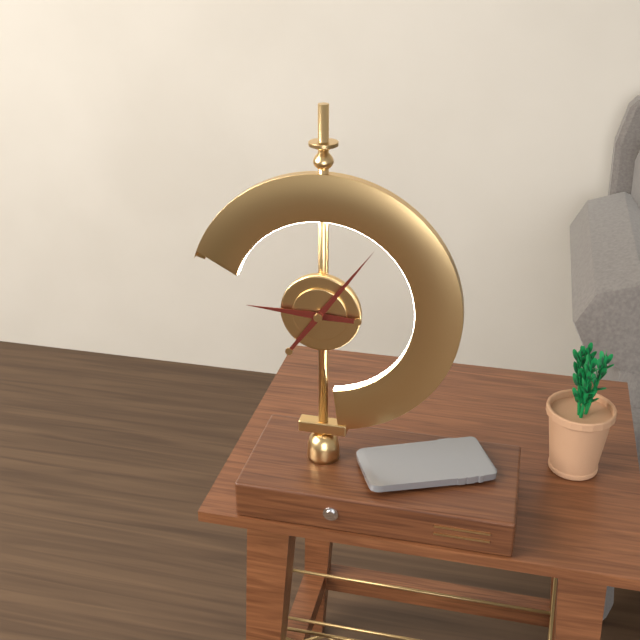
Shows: {"hour": 9, "minute": 6}
